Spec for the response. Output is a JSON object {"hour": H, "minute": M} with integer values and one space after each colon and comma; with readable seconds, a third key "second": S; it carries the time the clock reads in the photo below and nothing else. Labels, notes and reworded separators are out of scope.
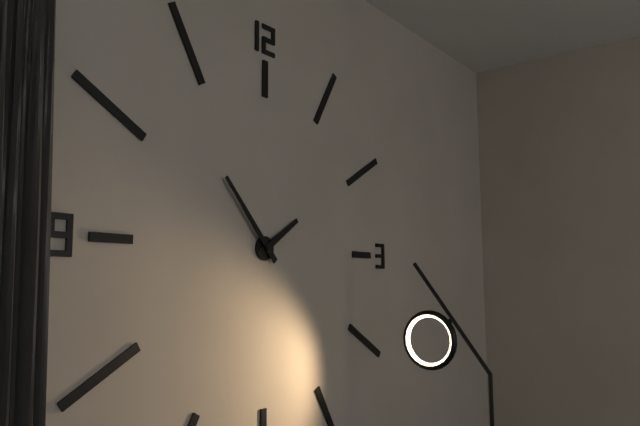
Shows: {"hour": 1, "minute": 53}
